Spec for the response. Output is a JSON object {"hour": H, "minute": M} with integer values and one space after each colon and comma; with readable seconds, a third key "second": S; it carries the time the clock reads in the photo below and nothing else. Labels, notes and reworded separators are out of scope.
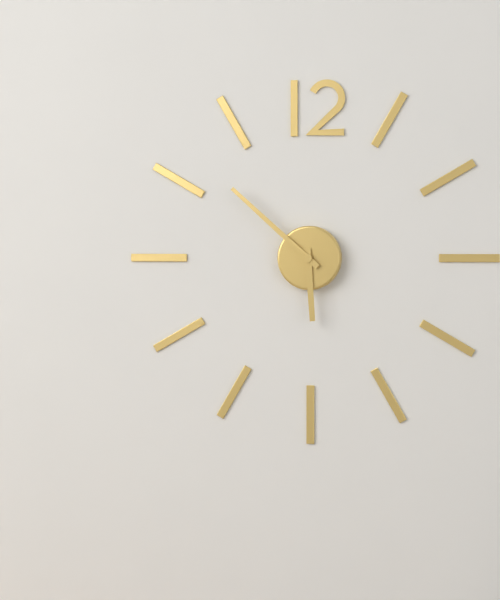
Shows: {"hour": 5, "minute": 52}
